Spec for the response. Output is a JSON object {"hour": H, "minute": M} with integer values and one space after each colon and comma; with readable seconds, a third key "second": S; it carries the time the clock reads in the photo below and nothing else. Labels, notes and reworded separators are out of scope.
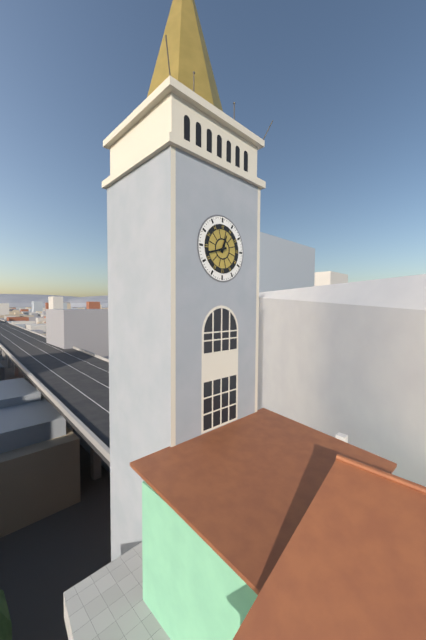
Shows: {"hour": 12, "minute": 42}
